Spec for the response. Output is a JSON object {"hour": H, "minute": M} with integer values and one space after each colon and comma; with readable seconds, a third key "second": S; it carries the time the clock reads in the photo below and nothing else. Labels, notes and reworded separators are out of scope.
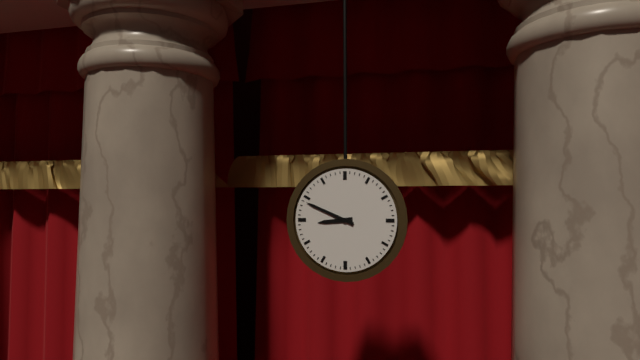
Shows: {"hour": 8, "minute": 49}
